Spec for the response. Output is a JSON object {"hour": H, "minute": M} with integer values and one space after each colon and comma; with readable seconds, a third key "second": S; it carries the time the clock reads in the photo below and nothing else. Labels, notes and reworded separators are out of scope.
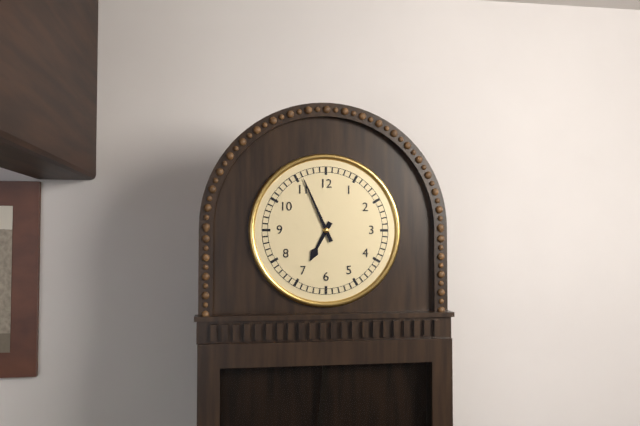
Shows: {"hour": 6, "minute": 56}
